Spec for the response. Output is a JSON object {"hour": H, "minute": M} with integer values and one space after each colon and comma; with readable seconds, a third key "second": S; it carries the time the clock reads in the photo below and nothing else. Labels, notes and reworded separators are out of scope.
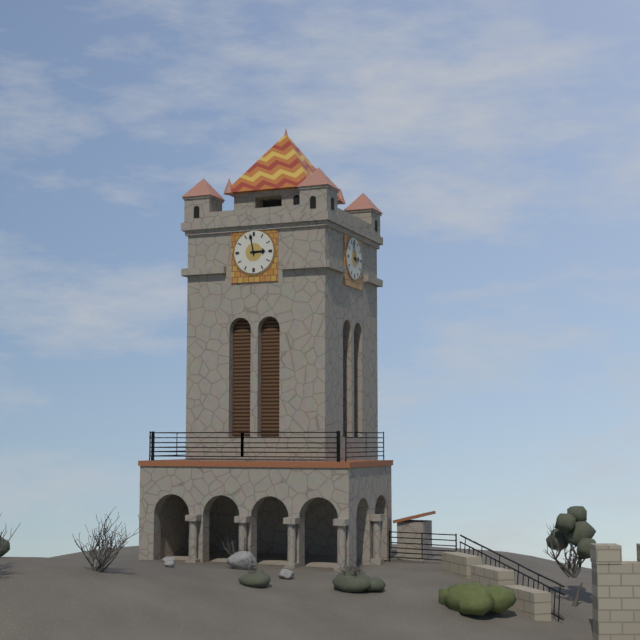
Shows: {"hour": 2, "minute": 58}
